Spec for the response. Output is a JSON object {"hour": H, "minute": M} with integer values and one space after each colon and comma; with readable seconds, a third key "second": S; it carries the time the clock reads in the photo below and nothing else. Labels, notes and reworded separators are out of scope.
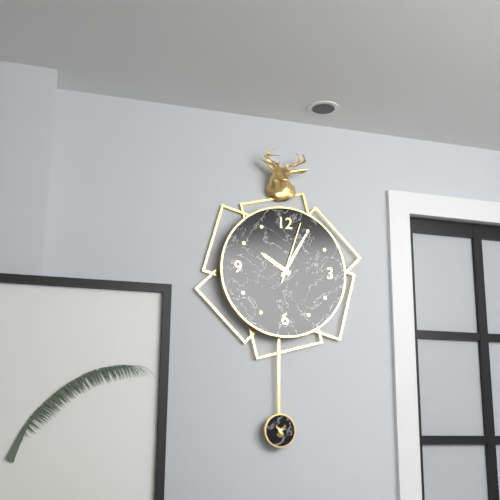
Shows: {"hour": 10, "minute": 5, "second": 3}
